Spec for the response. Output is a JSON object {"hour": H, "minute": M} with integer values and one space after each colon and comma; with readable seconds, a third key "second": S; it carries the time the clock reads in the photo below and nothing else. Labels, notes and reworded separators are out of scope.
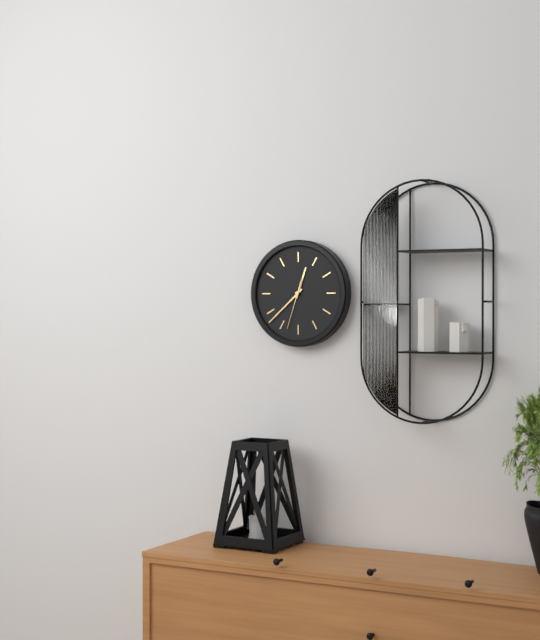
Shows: {"hour": 12, "minute": 38}
